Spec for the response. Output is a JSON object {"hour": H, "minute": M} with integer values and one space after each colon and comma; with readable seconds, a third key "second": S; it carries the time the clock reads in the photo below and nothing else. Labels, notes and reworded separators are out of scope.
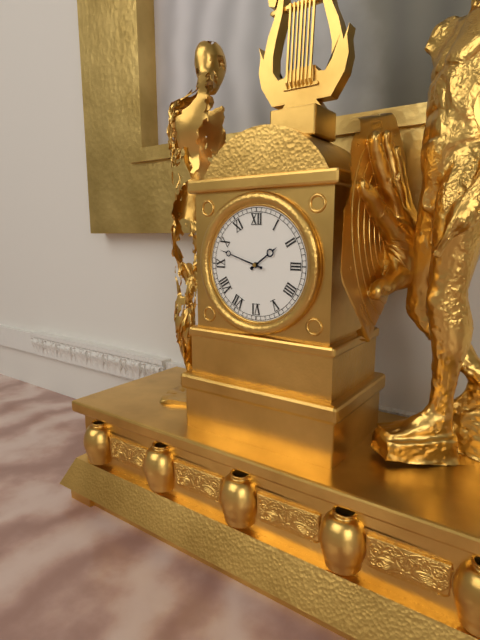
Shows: {"hour": 1, "minute": 48}
